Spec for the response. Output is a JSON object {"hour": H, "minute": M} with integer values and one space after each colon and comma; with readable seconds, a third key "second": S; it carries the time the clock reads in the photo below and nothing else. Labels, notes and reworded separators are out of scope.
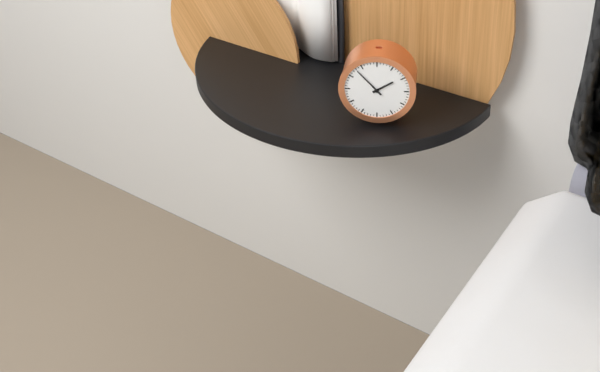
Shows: {"hour": 1, "minute": 53}
